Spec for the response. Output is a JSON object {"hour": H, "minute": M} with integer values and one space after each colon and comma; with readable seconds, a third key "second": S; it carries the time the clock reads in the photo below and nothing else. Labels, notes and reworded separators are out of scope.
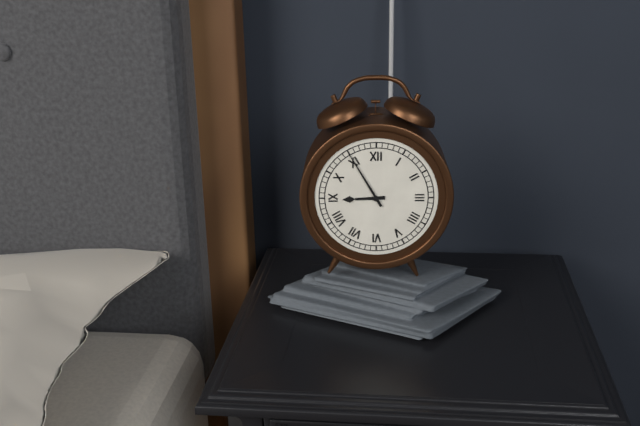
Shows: {"hour": 8, "minute": 55}
